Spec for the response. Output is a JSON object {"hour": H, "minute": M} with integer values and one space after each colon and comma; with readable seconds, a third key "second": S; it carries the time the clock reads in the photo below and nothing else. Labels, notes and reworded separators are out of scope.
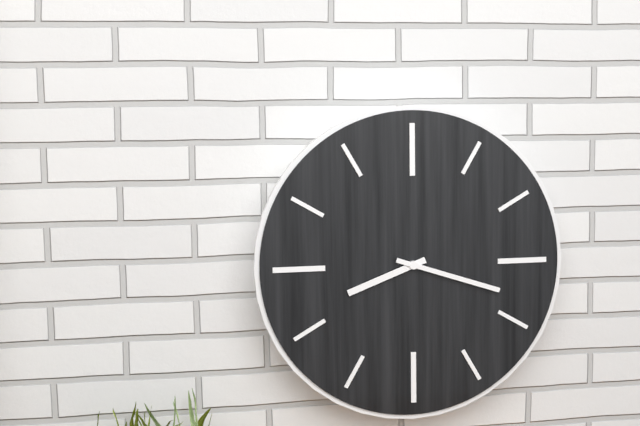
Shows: {"hour": 8, "minute": 18}
